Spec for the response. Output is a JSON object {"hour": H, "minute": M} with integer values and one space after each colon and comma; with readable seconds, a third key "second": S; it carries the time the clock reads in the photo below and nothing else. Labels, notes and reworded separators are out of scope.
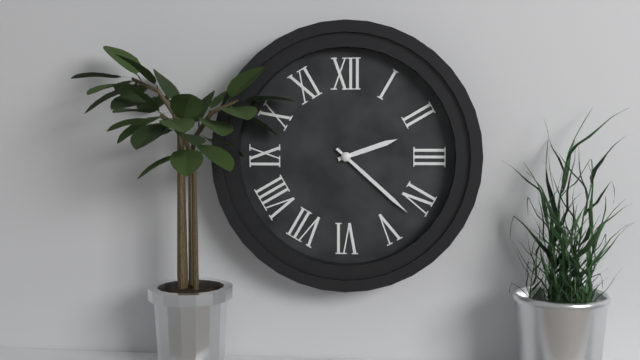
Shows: {"hour": 2, "minute": 22}
